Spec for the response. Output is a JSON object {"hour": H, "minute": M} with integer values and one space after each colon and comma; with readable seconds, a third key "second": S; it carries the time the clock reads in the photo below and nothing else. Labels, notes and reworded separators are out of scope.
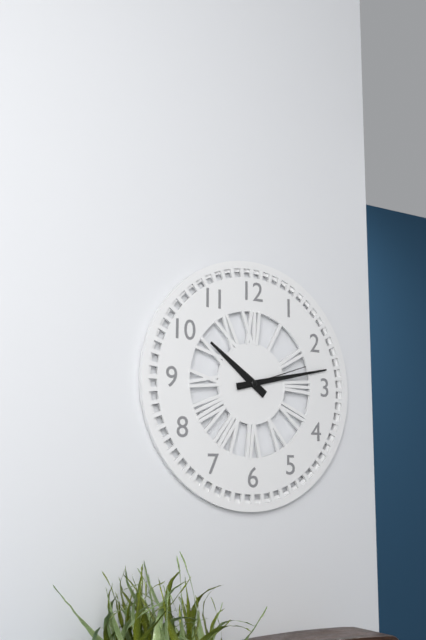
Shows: {"hour": 10, "minute": 13, "second": 12}
